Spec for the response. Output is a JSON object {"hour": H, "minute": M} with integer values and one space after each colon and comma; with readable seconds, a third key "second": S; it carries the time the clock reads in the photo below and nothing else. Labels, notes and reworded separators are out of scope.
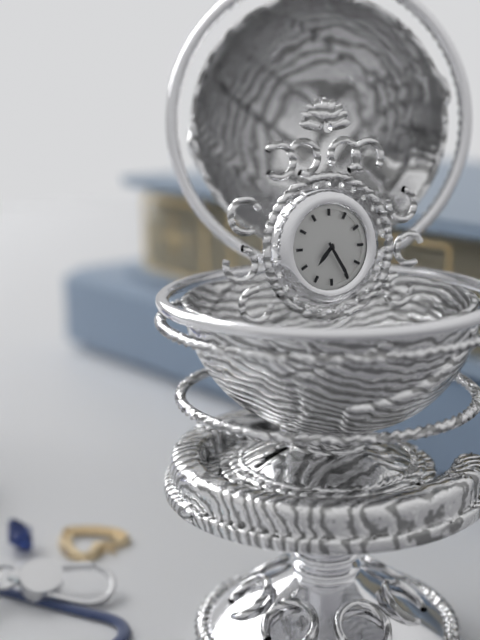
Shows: {"hour": 7, "minute": 25}
